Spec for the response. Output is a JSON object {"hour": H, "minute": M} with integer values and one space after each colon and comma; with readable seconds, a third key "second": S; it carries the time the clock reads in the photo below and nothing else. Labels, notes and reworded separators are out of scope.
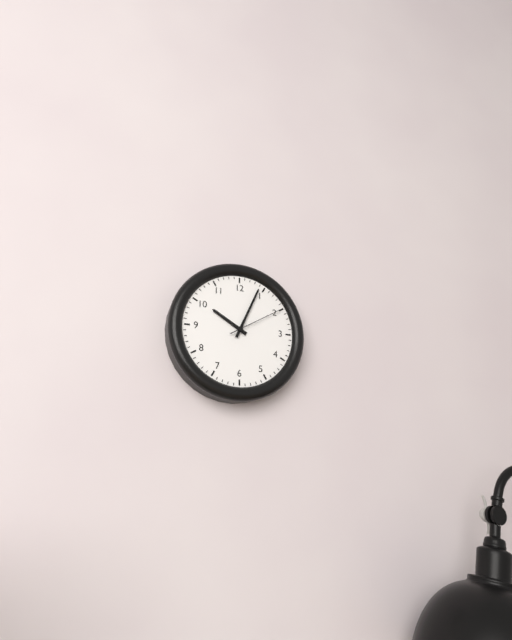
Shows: {"hour": 10, "minute": 4, "second": 10}
